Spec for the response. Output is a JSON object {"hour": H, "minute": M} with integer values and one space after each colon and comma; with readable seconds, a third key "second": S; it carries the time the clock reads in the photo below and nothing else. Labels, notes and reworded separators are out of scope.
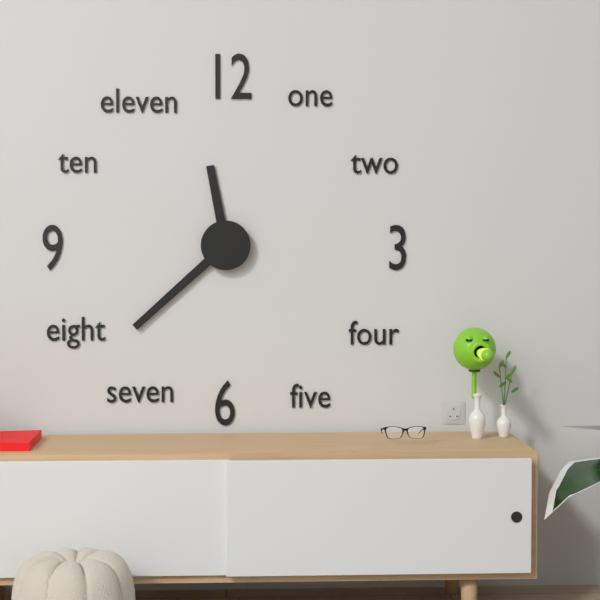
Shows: {"hour": 11, "minute": 38}
